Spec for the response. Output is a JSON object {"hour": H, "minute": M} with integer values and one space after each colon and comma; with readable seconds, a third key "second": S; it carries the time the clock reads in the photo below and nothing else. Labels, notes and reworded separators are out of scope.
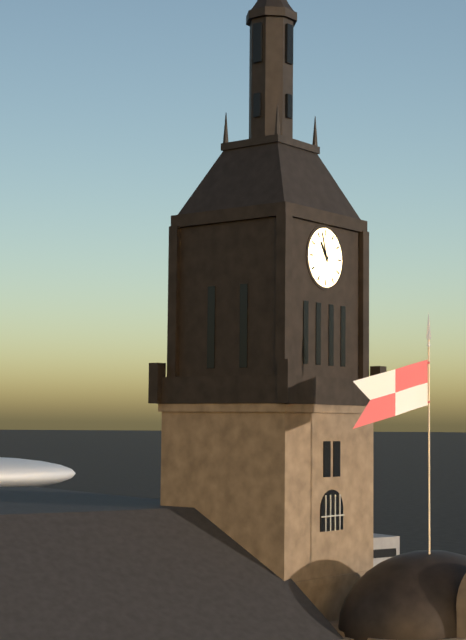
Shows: {"hour": 10, "minute": 57}
